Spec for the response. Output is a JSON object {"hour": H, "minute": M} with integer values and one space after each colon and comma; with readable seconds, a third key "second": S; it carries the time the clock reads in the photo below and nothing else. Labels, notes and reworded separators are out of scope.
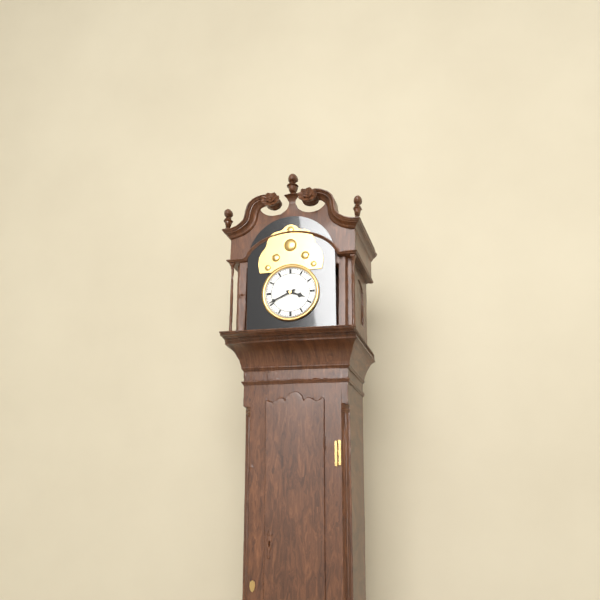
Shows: {"hour": 3, "minute": 41}
